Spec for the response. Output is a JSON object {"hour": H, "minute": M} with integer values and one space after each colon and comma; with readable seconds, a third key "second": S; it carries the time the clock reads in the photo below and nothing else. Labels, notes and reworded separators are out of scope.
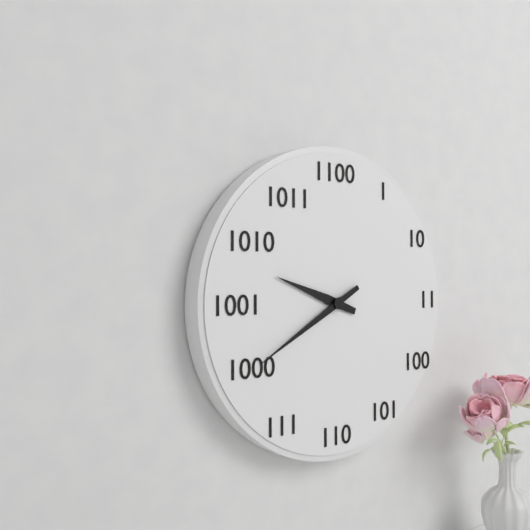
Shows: {"hour": 9, "minute": 40}
